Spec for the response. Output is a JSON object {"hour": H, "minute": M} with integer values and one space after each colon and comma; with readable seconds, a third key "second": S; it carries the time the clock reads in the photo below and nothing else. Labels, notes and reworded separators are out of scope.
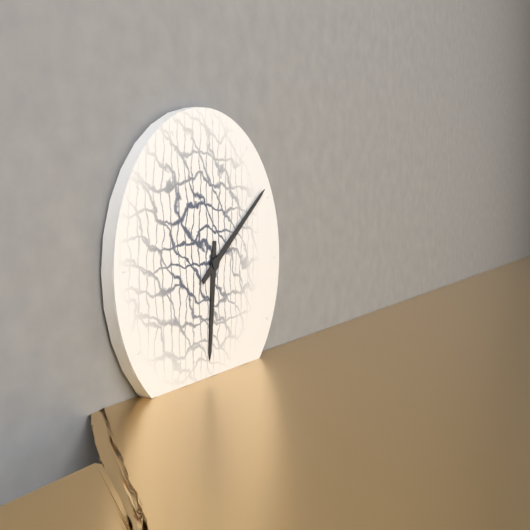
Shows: {"hour": 6, "minute": 9}
